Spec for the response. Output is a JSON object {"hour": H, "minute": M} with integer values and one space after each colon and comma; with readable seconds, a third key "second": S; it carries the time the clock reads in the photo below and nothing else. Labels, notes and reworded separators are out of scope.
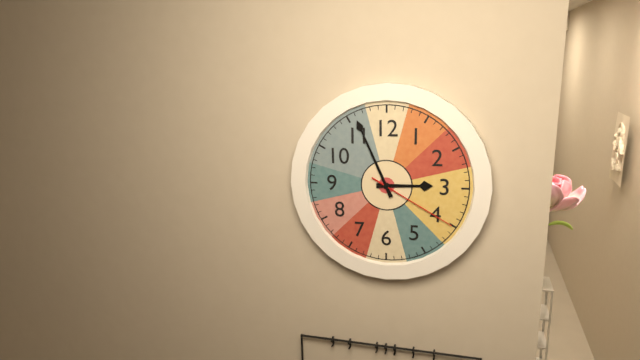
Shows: {"hour": 2, "minute": 56, "second": 20}
